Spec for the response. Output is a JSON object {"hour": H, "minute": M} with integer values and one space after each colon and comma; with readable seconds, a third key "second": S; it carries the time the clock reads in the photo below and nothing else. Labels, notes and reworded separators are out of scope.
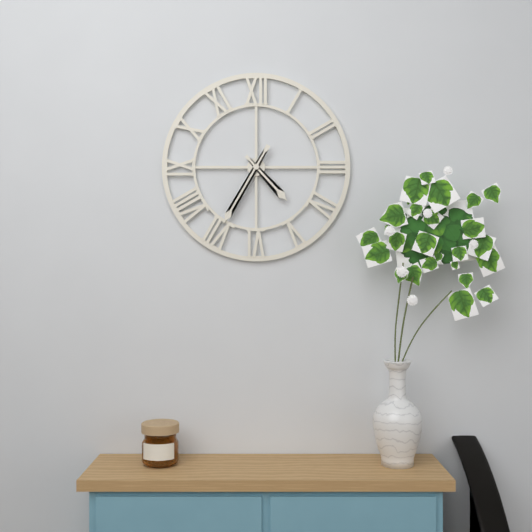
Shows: {"hour": 4, "minute": 35}
